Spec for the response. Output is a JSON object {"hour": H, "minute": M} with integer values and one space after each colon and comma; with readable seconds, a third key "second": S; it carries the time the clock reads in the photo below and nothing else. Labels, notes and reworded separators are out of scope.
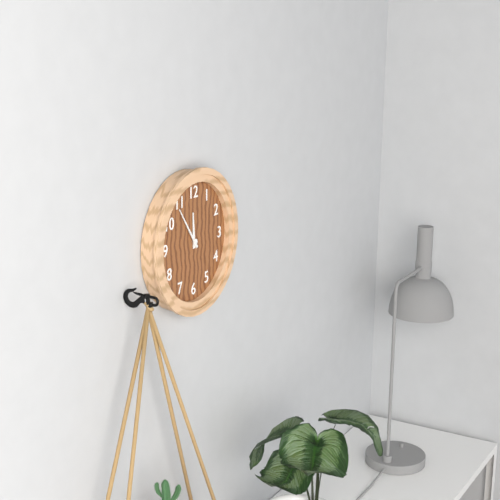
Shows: {"hour": 11, "minute": 54}
